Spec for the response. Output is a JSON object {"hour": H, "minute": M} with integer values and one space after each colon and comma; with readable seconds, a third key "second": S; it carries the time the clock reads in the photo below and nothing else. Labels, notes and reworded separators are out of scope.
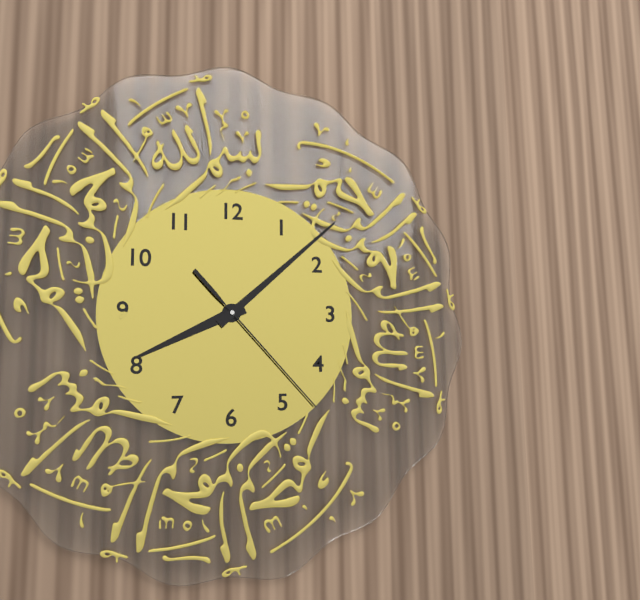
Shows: {"hour": 8, "minute": 8, "second": 23}
